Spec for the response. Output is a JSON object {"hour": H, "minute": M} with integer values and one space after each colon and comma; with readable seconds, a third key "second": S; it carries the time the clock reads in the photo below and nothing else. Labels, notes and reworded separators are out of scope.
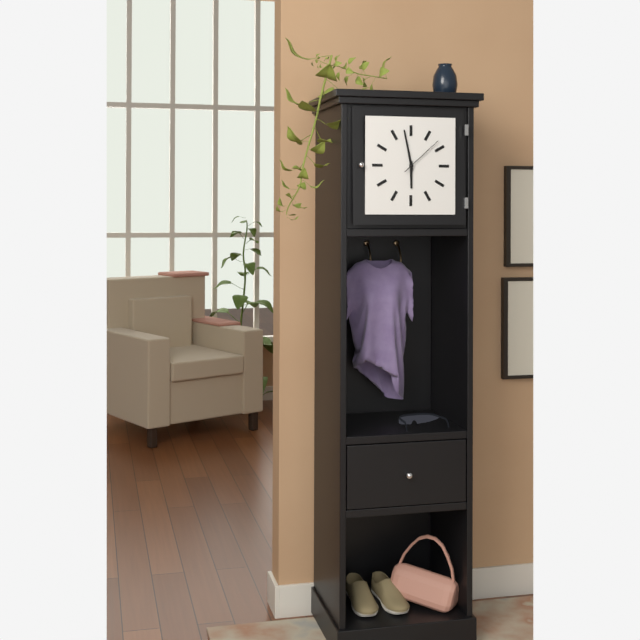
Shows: {"hour": 5, "minute": 58}
